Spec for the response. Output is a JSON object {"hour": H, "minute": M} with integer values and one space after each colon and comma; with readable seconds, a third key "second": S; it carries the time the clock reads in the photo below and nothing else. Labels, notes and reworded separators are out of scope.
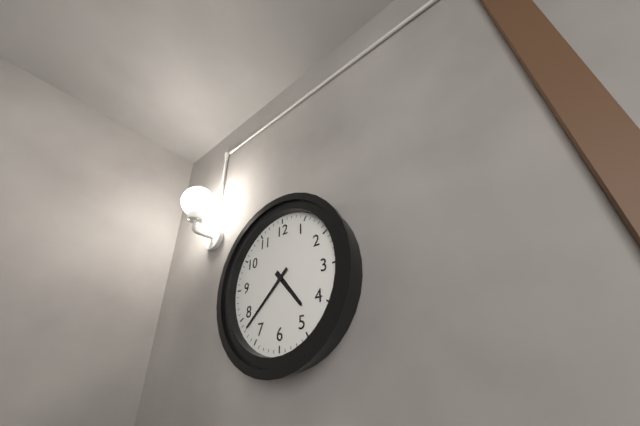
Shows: {"hour": 4, "minute": 38}
